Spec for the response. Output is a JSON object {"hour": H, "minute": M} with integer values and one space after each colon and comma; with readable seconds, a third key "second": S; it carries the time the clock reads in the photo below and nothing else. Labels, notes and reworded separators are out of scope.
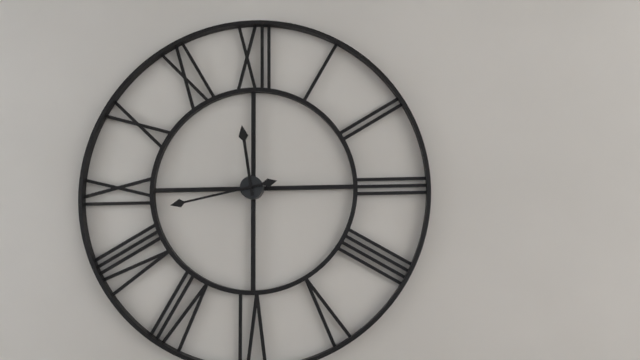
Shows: {"hour": 11, "minute": 43}
